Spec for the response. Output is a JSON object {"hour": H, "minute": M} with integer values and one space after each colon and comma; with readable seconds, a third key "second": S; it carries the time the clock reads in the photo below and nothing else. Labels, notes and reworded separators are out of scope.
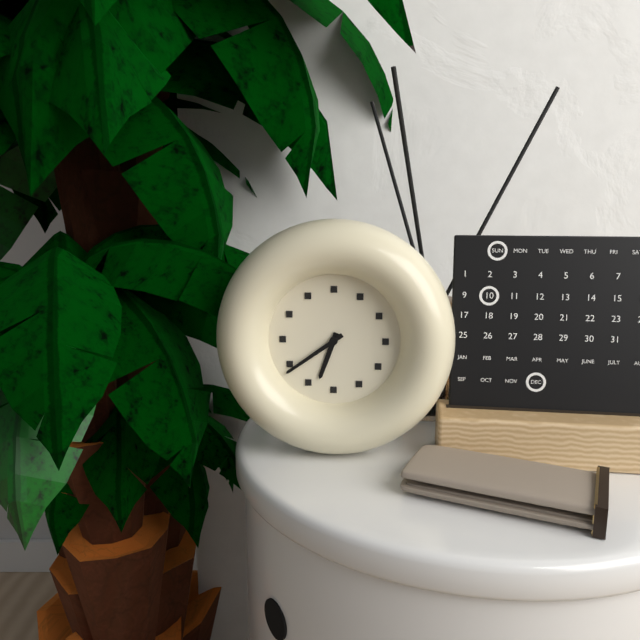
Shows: {"hour": 6, "minute": 39}
